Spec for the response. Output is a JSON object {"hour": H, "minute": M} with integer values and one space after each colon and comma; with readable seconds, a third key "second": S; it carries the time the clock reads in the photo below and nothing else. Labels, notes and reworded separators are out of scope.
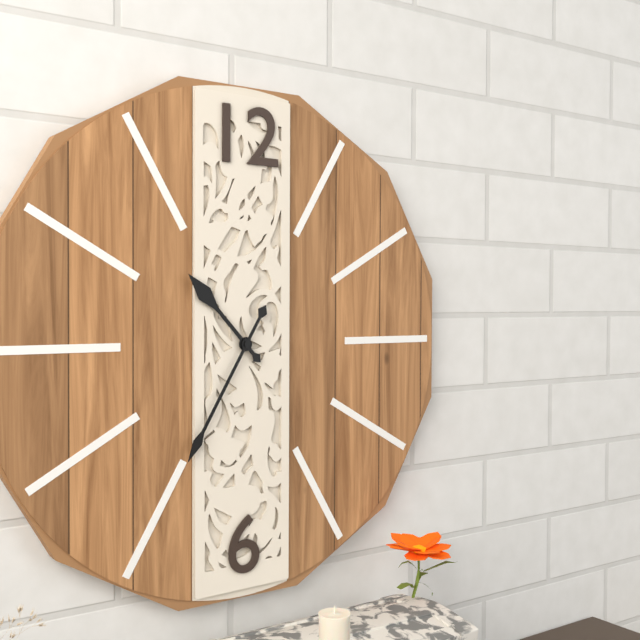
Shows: {"hour": 10, "minute": 35}
